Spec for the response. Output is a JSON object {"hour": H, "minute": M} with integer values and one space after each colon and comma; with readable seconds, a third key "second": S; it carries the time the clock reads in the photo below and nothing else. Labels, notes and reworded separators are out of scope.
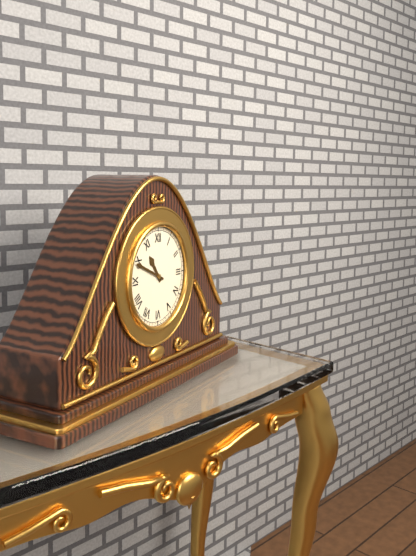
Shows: {"hour": 10, "minute": 49}
